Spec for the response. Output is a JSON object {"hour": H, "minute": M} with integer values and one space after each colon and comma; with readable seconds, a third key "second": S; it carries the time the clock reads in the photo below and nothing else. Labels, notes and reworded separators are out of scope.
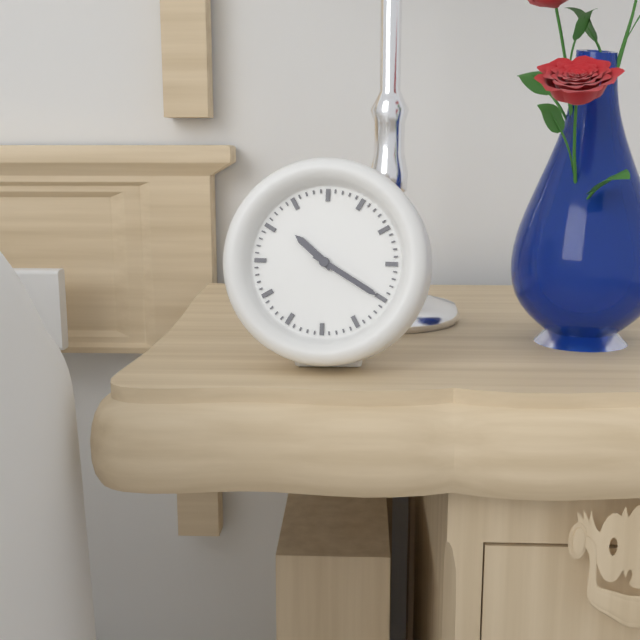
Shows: {"hour": 10, "minute": 20}
